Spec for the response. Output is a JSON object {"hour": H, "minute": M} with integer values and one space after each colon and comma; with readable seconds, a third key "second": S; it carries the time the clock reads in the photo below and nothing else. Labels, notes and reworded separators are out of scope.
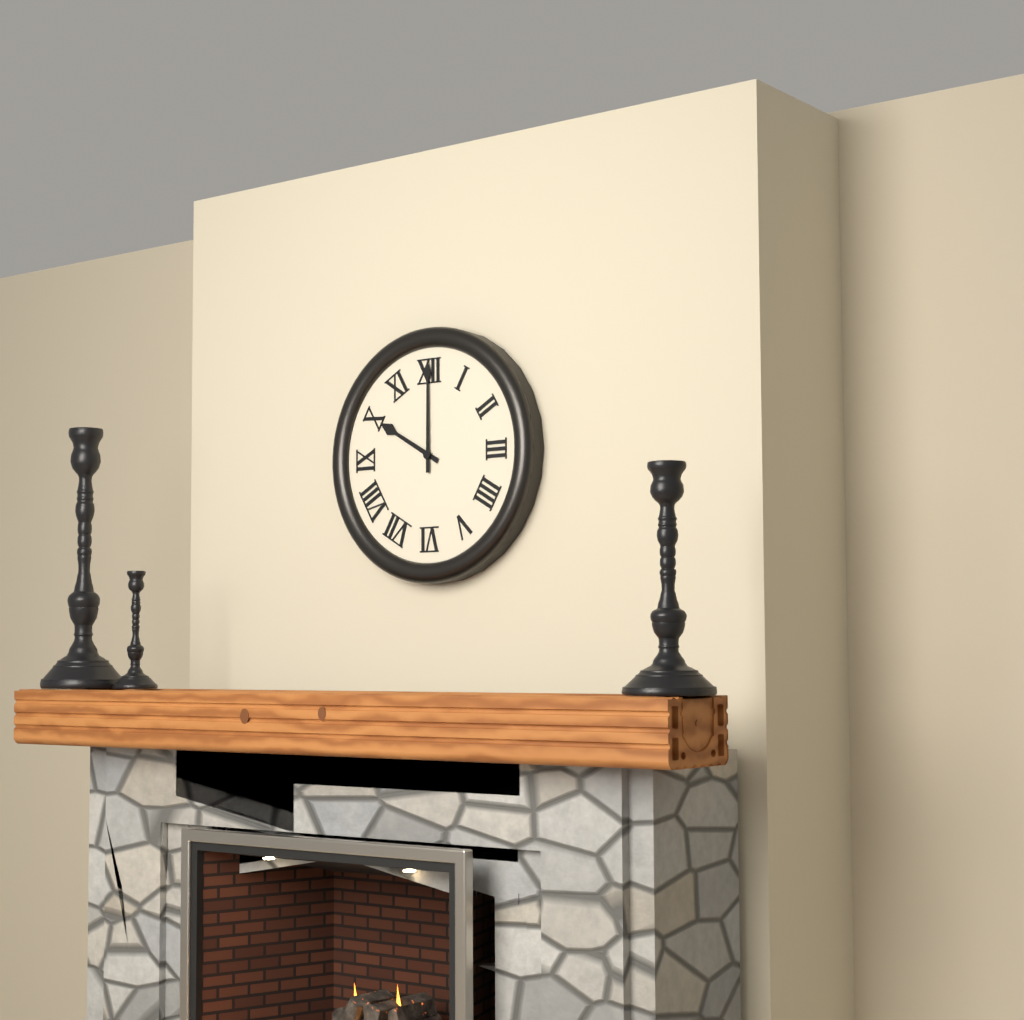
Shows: {"hour": 10, "minute": 0}
